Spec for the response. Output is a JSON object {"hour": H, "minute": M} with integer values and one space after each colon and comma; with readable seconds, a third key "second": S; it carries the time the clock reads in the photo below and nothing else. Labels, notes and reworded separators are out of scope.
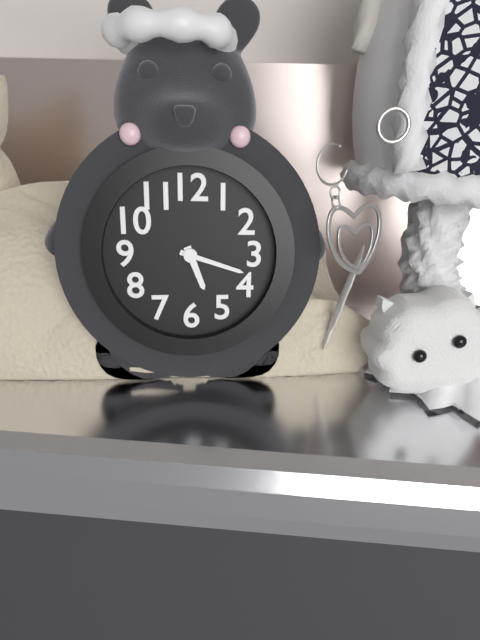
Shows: {"hour": 5, "minute": 18}
